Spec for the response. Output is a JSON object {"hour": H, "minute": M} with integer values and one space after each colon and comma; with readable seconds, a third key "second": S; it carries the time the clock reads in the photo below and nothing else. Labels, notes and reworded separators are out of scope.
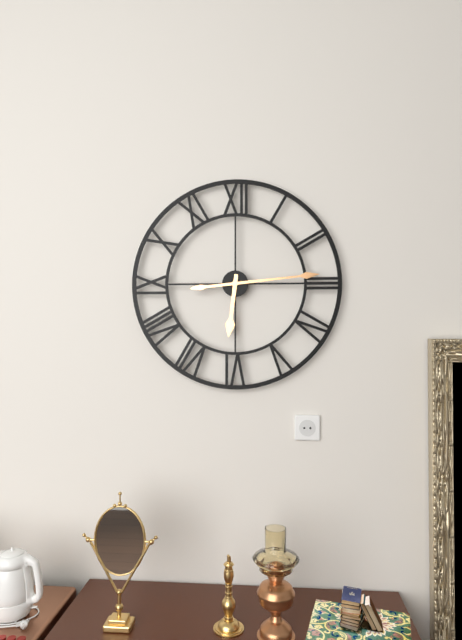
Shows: {"hour": 6, "minute": 14}
